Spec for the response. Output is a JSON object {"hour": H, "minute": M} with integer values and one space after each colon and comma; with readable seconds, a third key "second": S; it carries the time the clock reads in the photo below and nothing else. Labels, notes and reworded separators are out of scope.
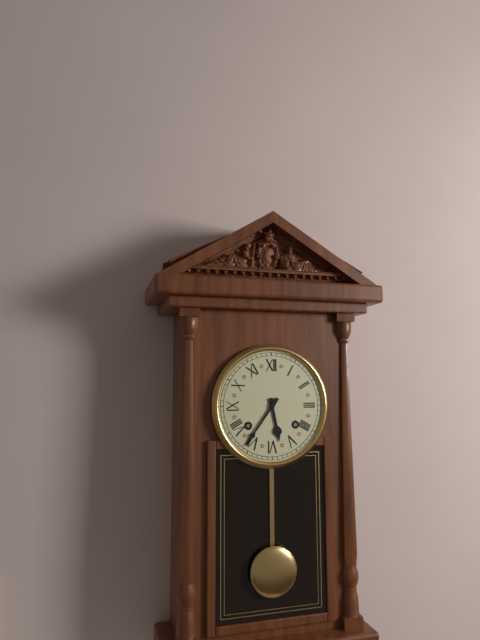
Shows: {"hour": 5, "minute": 36}
